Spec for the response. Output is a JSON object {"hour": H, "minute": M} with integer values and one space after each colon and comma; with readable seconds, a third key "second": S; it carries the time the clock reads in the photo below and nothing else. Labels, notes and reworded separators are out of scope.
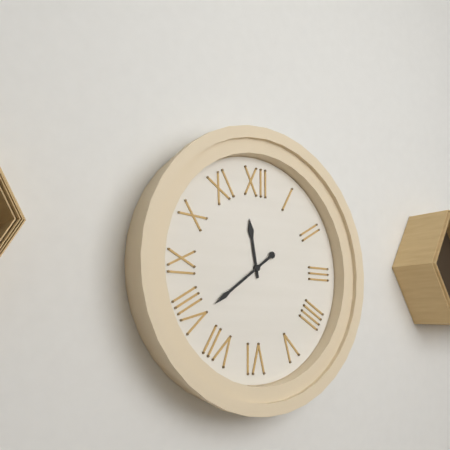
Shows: {"hour": 11, "minute": 39}
